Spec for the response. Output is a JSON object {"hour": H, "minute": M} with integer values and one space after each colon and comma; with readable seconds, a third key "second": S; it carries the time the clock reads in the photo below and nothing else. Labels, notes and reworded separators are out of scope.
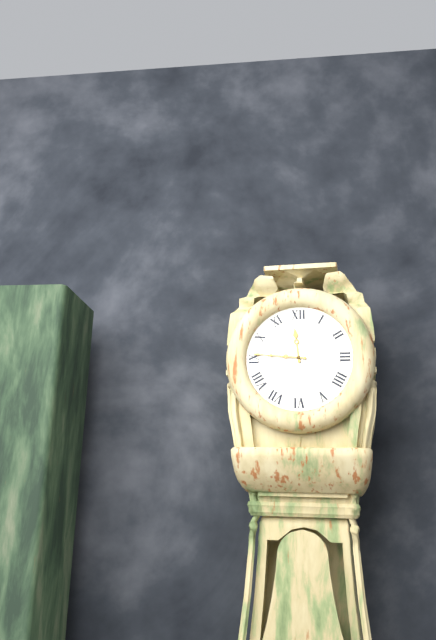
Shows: {"hour": 11, "minute": 46}
